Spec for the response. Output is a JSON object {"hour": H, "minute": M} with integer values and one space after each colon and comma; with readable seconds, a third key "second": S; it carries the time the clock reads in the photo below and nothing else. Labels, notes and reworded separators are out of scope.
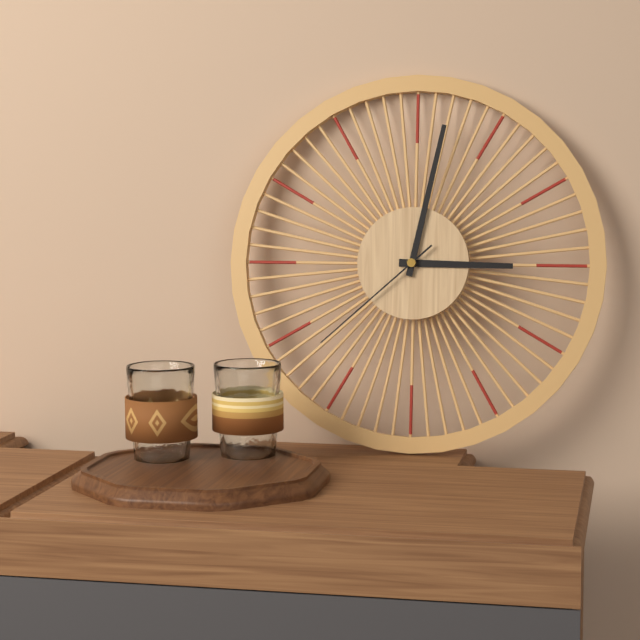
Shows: {"hour": 3, "minute": 2, "second": 38}
